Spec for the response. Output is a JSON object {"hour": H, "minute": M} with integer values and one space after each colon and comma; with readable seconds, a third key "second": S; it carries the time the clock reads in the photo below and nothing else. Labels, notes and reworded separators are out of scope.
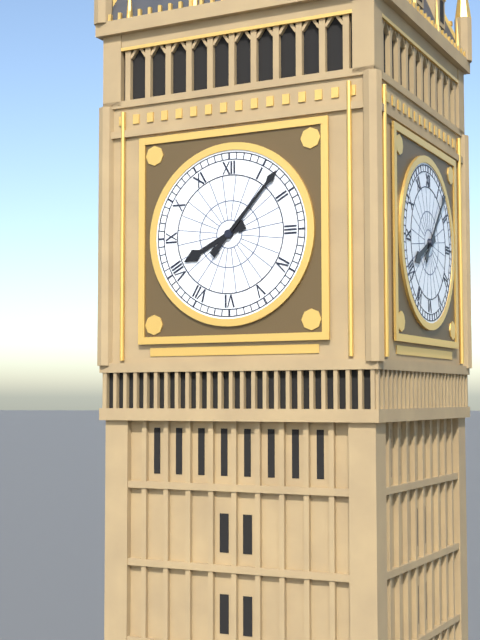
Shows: {"hour": 8, "minute": 7}
